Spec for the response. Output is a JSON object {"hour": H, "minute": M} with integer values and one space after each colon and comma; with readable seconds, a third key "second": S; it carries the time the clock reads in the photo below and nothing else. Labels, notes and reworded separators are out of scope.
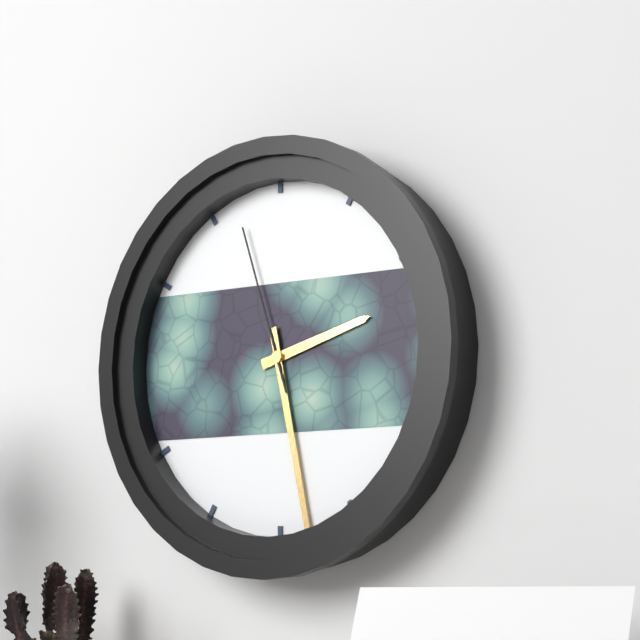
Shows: {"hour": 2, "minute": 28, "second": 57}
